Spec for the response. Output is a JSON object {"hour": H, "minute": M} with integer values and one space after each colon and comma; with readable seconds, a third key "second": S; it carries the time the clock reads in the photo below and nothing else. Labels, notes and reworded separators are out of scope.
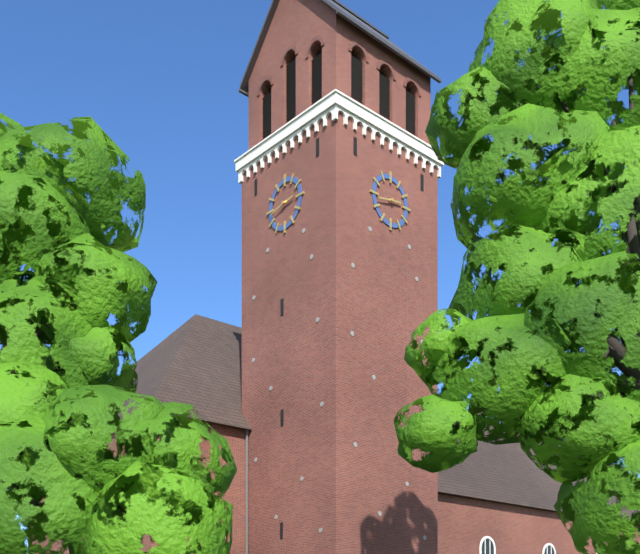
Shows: {"hour": 2, "minute": 43}
